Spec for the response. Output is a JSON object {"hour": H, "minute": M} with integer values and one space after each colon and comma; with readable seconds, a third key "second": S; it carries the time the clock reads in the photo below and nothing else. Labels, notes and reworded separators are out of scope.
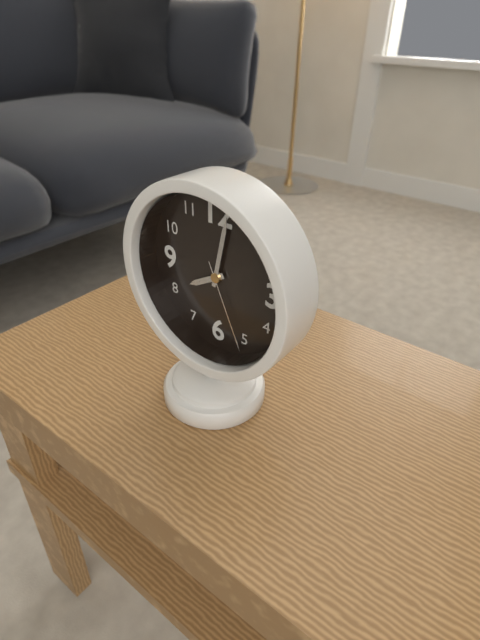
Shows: {"hour": 8, "minute": 2, "second": 26}
